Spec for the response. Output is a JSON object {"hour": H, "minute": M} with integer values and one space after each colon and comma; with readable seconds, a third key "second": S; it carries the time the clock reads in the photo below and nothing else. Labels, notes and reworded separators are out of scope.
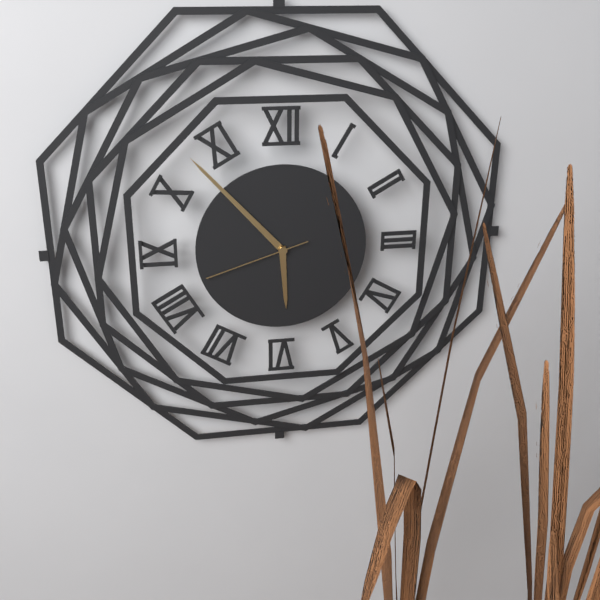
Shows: {"hour": 5, "minute": 53, "second": 42}
